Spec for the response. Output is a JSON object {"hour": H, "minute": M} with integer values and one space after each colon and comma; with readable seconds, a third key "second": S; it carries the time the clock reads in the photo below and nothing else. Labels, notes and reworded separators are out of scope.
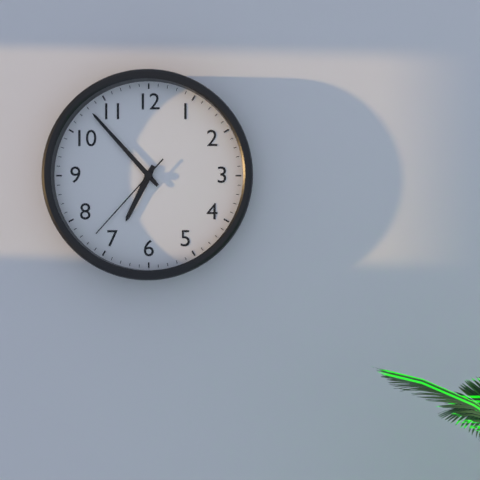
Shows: {"hour": 6, "minute": 53, "second": 37}
